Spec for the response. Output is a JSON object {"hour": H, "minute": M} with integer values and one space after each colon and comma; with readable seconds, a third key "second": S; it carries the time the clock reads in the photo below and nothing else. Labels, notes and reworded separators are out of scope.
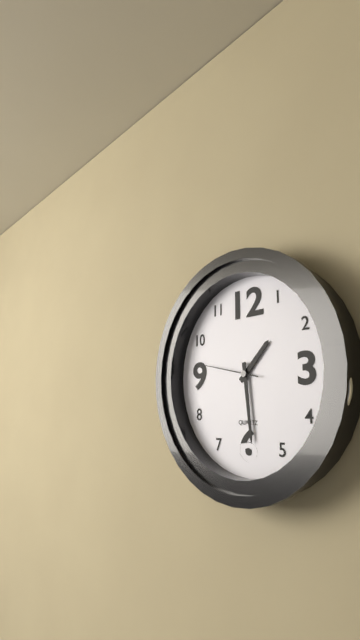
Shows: {"hour": 1, "minute": 29, "second": 47}
